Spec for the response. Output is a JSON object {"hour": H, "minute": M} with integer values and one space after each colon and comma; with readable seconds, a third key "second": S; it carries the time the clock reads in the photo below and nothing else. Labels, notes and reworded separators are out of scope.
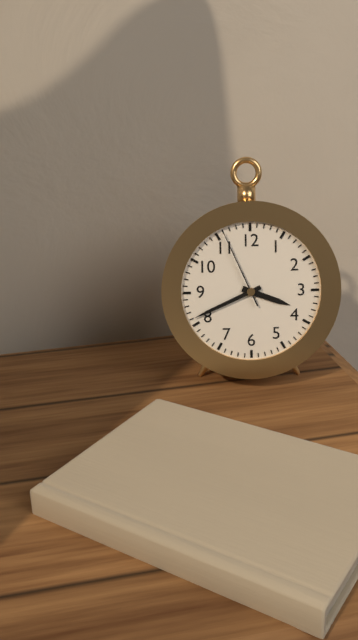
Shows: {"hour": 3, "minute": 41, "second": 56}
